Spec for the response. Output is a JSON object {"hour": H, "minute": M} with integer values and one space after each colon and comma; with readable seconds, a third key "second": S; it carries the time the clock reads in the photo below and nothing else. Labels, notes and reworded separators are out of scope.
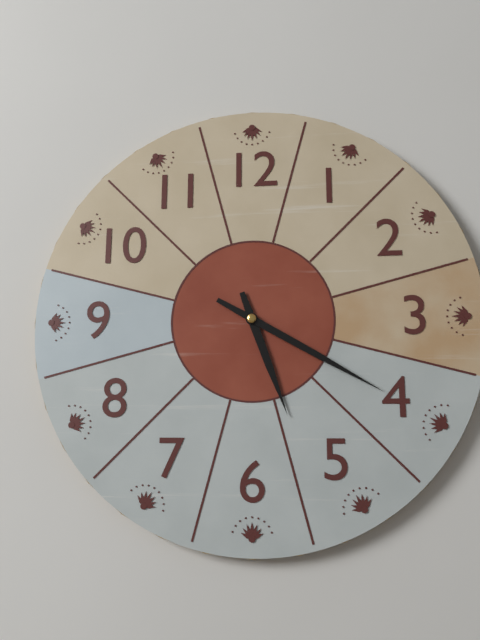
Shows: {"hour": 5, "minute": 20}
